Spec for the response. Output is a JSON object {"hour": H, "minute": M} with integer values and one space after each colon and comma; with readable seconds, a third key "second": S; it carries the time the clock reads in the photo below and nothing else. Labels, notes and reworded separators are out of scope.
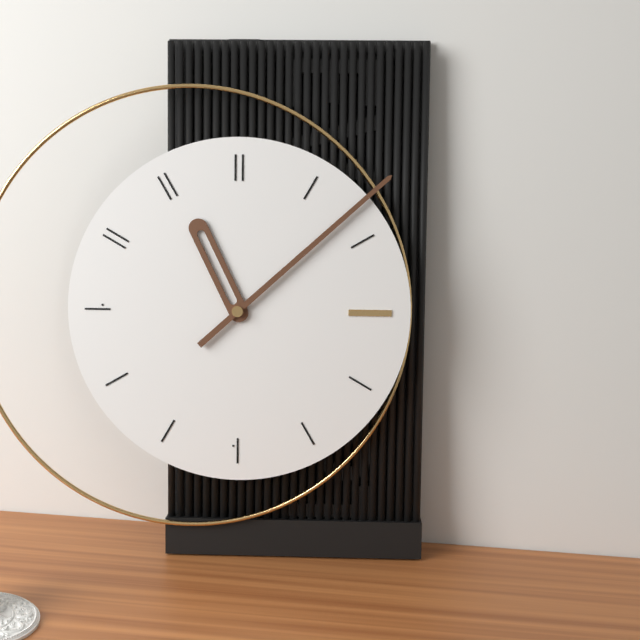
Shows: {"hour": 11, "minute": 8}
